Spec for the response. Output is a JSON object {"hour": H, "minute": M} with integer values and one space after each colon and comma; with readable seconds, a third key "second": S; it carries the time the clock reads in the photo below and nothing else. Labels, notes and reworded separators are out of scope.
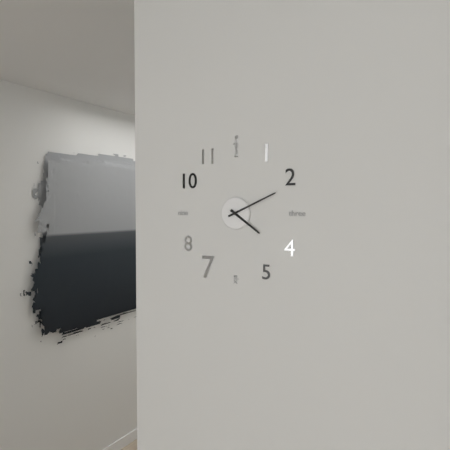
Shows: {"hour": 4, "minute": 11}
